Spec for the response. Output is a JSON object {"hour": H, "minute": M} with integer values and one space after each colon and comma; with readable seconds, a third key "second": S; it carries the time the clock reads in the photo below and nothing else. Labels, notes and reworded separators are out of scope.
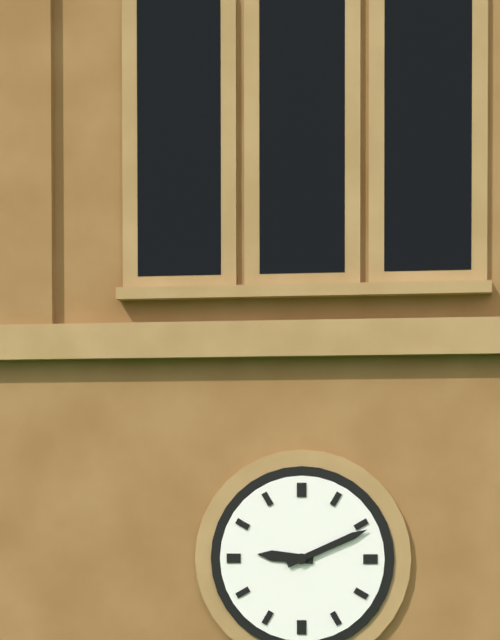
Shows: {"hour": 9, "minute": 11}
